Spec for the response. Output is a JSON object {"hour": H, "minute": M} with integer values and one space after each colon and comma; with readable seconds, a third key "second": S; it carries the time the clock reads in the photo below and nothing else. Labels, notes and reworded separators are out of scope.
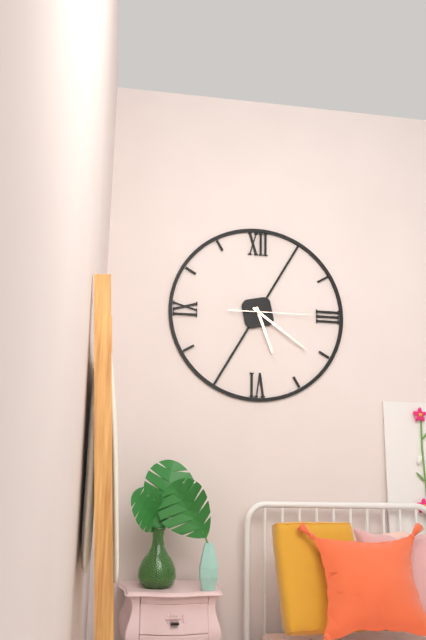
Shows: {"hour": 5, "minute": 21, "second": 15}
